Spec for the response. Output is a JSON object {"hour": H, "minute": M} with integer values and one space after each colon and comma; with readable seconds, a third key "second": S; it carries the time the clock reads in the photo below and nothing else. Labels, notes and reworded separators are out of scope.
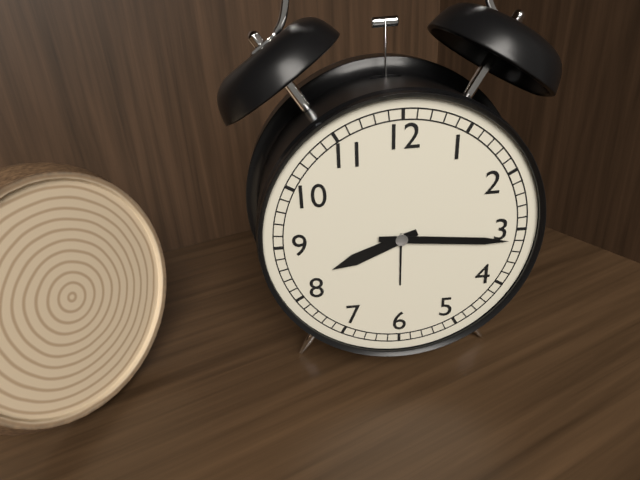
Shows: {"hour": 8, "minute": 16}
